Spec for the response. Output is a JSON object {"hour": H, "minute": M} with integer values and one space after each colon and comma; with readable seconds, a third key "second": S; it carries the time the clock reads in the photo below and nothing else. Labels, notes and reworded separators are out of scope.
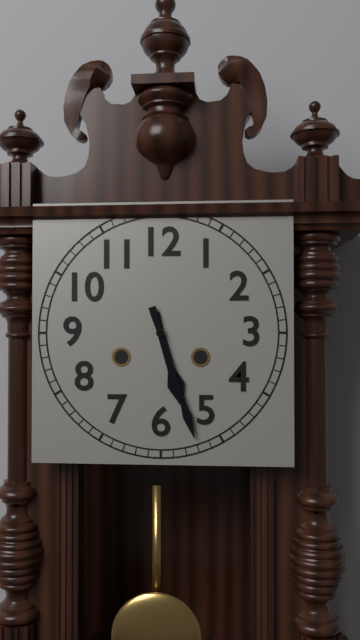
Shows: {"hour": 5, "minute": 27}
